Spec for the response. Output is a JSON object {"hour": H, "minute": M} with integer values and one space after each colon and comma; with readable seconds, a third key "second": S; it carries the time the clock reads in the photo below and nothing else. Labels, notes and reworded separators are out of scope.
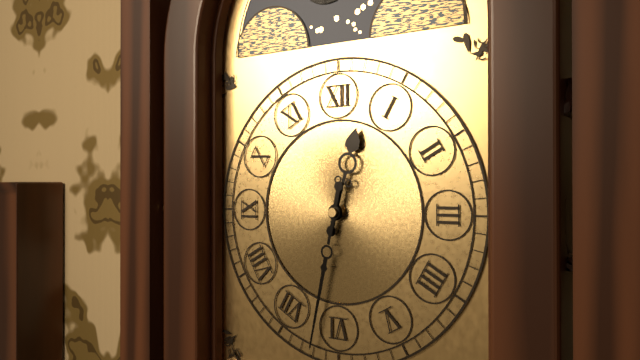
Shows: {"hour": 12, "minute": 32}
